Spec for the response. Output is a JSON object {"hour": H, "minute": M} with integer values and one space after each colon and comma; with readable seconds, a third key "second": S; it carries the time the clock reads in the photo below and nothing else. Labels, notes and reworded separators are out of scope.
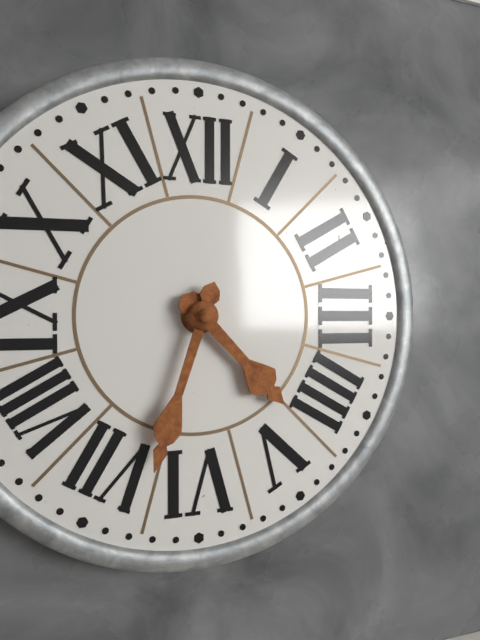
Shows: {"hour": 4, "minute": 33}
